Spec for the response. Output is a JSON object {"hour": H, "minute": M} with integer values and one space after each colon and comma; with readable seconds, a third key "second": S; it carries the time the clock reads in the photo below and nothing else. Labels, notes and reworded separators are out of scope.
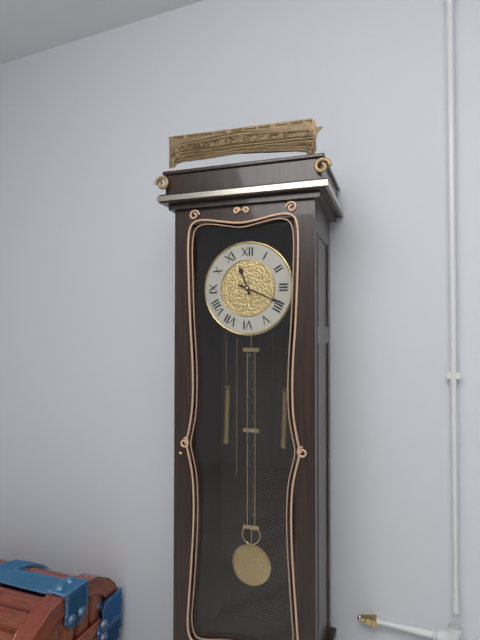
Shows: {"hour": 11, "minute": 19}
